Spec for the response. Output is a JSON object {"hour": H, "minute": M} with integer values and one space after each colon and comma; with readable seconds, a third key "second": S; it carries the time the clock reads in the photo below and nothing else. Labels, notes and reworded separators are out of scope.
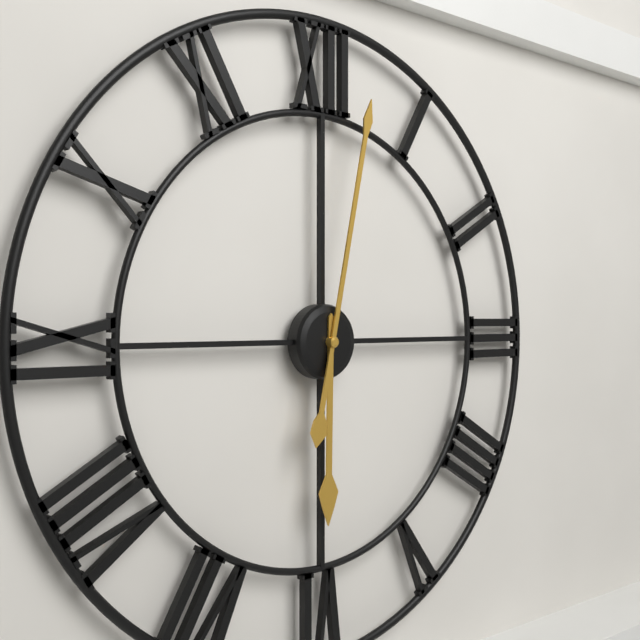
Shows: {"hour": 6, "minute": 2}
